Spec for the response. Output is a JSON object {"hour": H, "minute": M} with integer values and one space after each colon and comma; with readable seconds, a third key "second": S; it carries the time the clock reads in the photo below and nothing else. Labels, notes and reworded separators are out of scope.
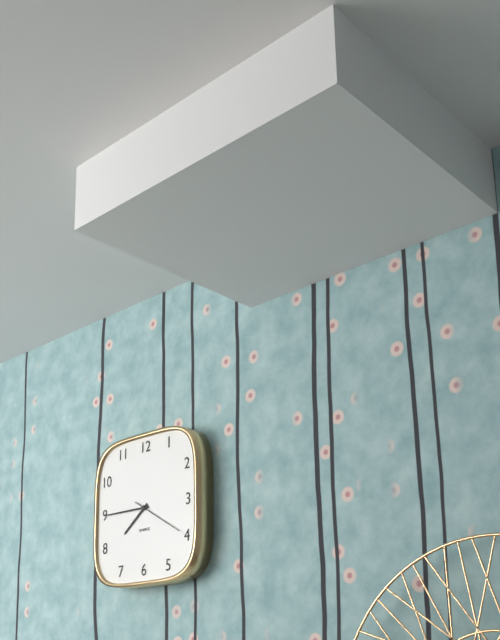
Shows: {"hour": 7, "minute": 45}
